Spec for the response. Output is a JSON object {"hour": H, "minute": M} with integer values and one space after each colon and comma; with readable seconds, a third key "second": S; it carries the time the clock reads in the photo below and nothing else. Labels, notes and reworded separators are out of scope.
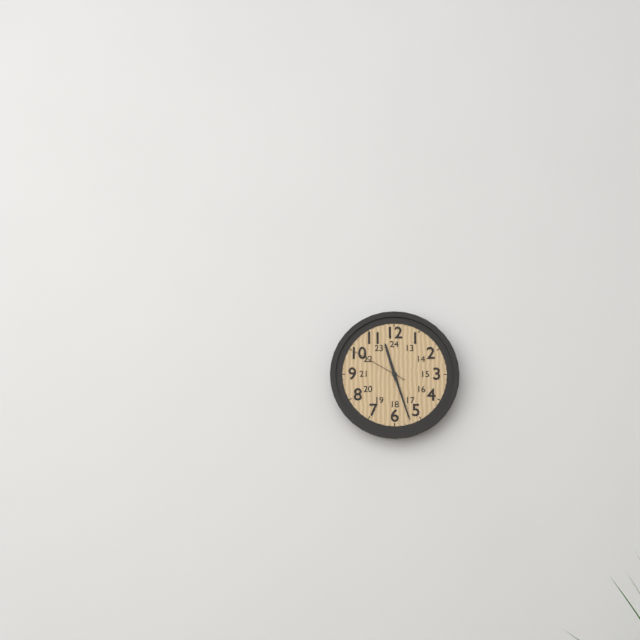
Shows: {"hour": 11, "minute": 27, "second": 50}
